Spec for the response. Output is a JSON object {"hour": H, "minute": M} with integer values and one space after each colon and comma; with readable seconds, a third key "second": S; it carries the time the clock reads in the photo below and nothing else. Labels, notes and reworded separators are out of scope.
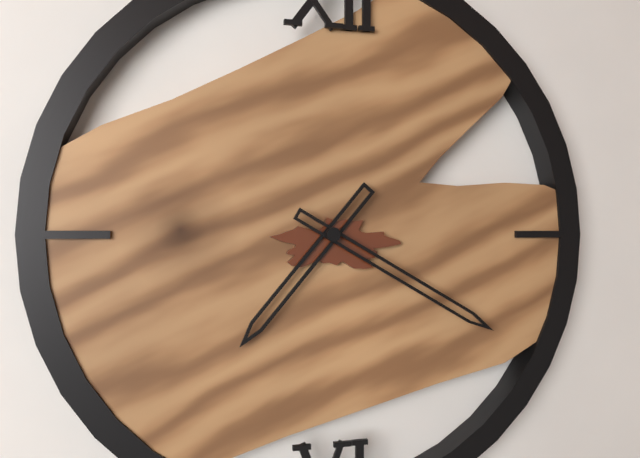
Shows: {"hour": 7, "minute": 20}
